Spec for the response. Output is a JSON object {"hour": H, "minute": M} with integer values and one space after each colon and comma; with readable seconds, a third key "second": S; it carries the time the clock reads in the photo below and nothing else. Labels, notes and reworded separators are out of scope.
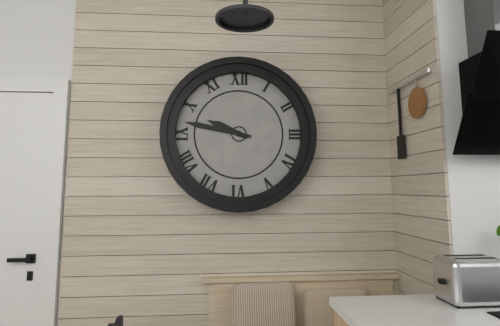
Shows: {"hour": 9, "minute": 47}
